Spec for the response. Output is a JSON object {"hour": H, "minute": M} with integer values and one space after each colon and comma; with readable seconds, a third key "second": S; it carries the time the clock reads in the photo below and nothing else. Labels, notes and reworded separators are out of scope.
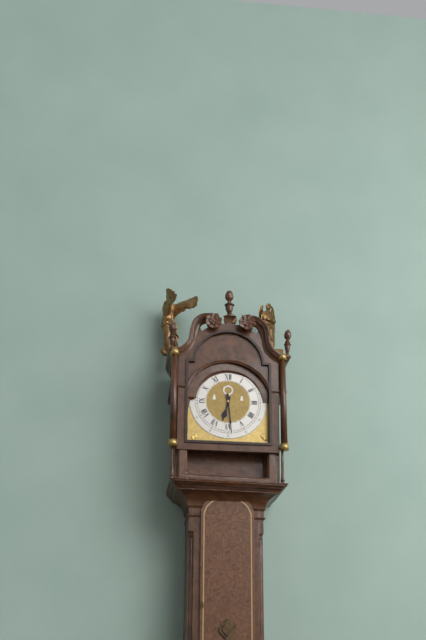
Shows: {"hour": 6, "minute": 29}
